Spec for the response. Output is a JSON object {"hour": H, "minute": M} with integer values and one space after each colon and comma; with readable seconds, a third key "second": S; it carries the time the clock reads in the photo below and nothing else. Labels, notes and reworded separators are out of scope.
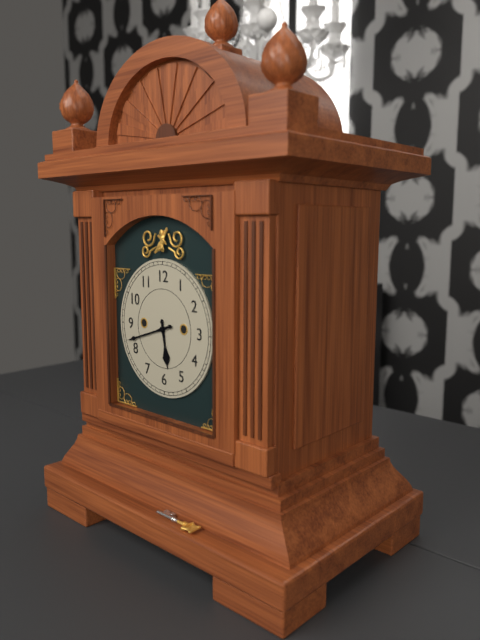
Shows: {"hour": 5, "minute": 42}
